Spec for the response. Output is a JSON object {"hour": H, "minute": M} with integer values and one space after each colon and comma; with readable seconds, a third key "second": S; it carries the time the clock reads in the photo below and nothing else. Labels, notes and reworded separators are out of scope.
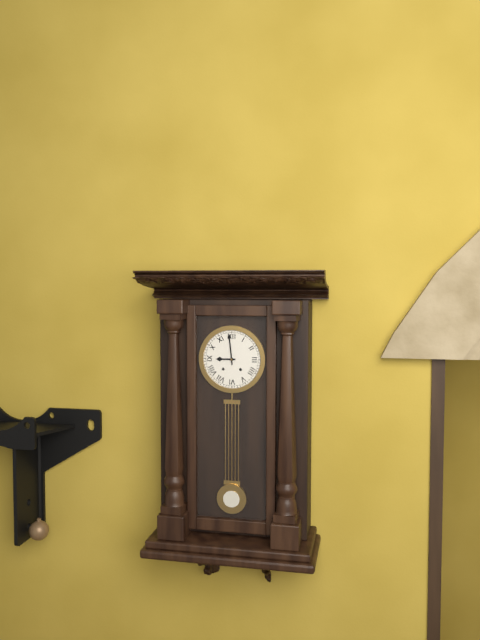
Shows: {"hour": 8, "minute": 59}
